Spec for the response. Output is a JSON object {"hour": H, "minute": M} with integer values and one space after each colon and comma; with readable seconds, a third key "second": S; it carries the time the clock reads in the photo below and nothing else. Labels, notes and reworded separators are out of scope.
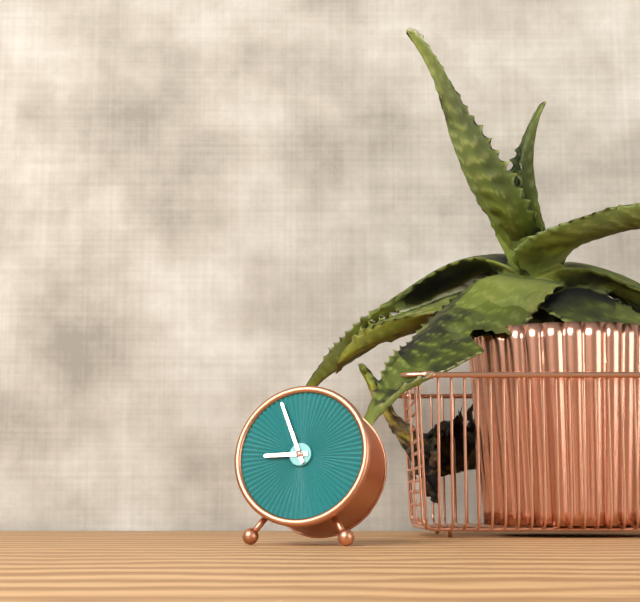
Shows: {"hour": 8, "minute": 56}
